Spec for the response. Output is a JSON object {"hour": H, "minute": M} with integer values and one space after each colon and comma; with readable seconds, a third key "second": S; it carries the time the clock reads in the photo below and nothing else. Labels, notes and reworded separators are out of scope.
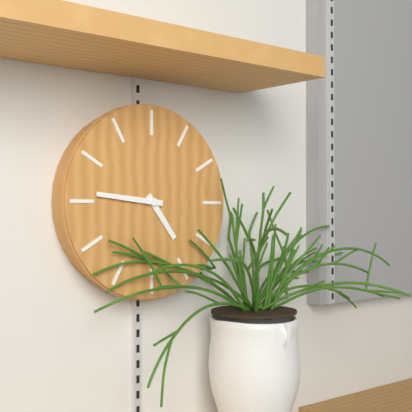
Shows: {"hour": 4, "minute": 46}
